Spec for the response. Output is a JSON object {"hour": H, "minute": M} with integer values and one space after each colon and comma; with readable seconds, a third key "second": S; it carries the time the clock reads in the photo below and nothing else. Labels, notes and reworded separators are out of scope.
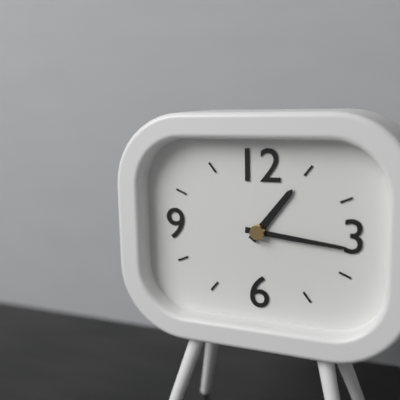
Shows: {"hour": 1, "minute": 16}
